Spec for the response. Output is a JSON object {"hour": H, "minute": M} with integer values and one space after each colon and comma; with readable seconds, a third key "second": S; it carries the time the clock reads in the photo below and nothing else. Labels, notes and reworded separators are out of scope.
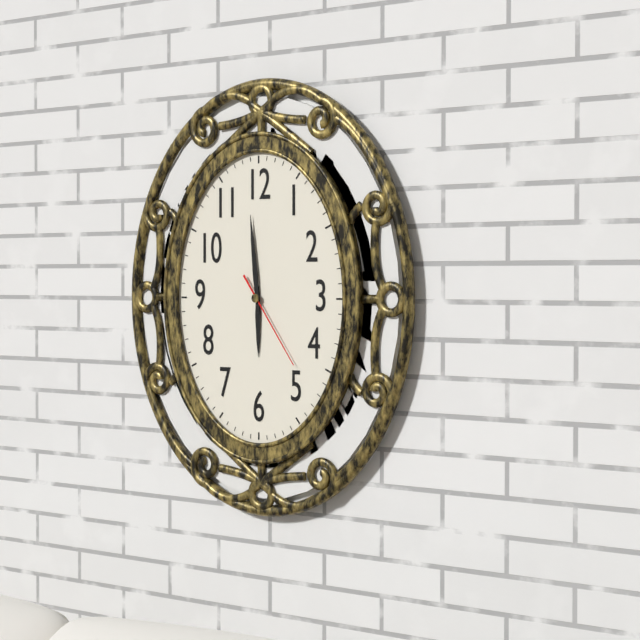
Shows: {"hour": 5, "minute": 59, "second": 24}
